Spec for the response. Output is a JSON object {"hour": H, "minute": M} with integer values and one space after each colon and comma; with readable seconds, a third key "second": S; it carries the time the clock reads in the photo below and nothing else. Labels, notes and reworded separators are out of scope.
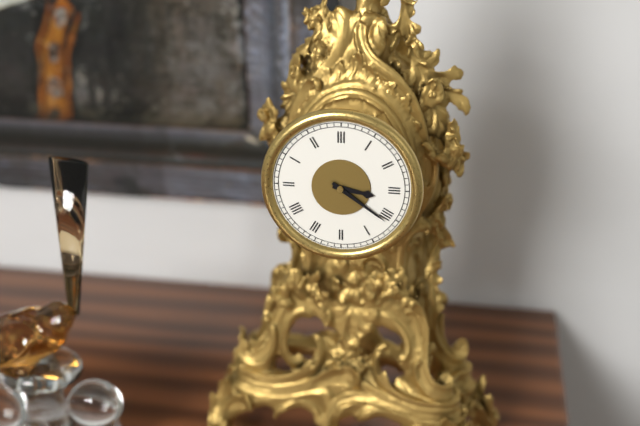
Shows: {"hour": 3, "minute": 21}
